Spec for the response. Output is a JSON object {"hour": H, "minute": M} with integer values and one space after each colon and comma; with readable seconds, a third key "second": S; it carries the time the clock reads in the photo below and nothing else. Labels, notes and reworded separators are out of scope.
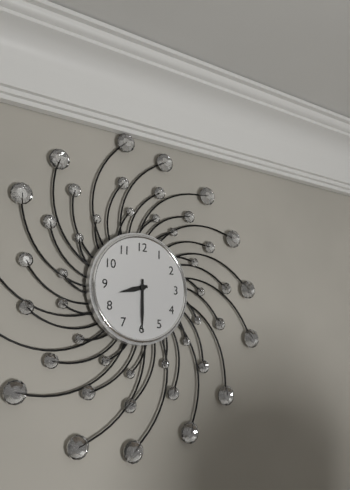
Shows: {"hour": 8, "minute": 30}
